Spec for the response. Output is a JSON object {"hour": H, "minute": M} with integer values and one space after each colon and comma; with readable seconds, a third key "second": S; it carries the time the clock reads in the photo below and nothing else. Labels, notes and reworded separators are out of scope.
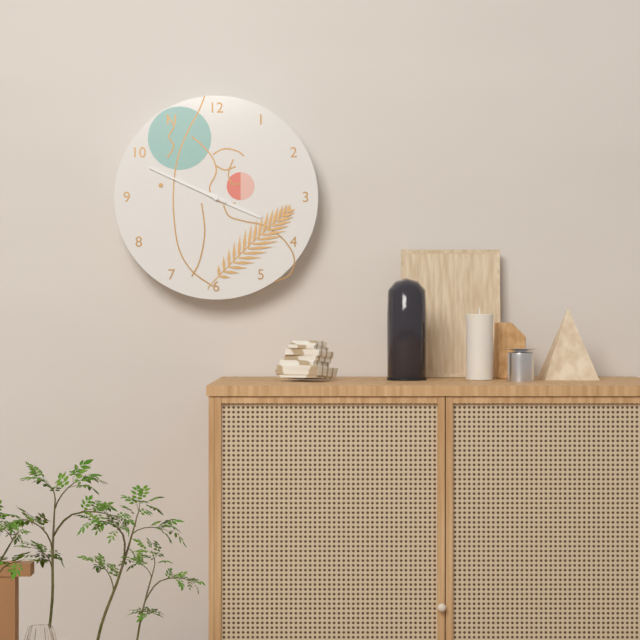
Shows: {"hour": 3, "minute": 49}
